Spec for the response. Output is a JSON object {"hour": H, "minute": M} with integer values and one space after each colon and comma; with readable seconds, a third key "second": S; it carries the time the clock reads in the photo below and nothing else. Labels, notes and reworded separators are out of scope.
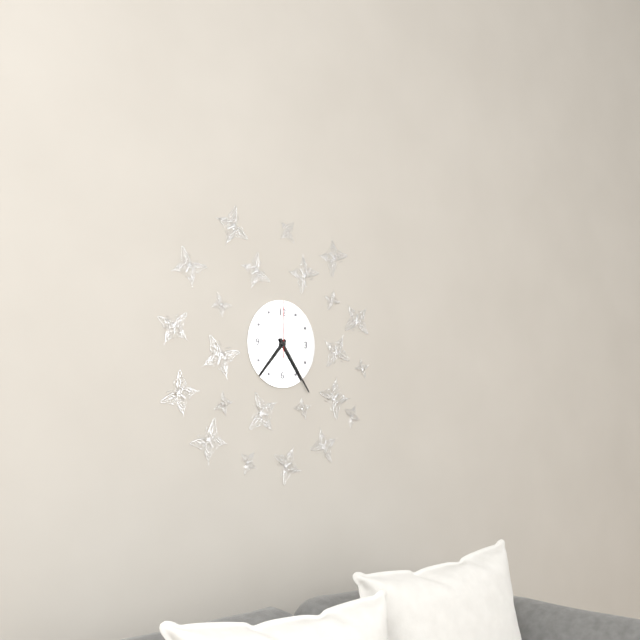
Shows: {"hour": 7, "minute": 24, "second": 0}
